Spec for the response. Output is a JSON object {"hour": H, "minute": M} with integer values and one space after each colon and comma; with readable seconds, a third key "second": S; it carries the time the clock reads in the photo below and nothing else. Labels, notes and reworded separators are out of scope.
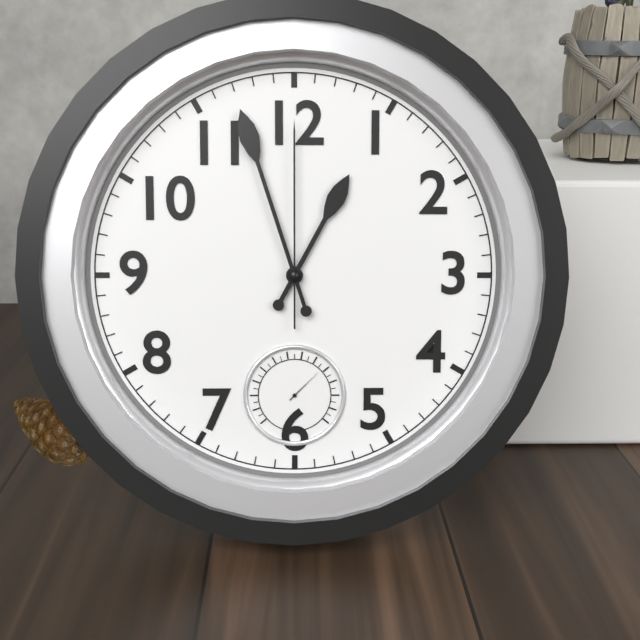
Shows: {"hour": 12, "minute": 57, "second": 0}
